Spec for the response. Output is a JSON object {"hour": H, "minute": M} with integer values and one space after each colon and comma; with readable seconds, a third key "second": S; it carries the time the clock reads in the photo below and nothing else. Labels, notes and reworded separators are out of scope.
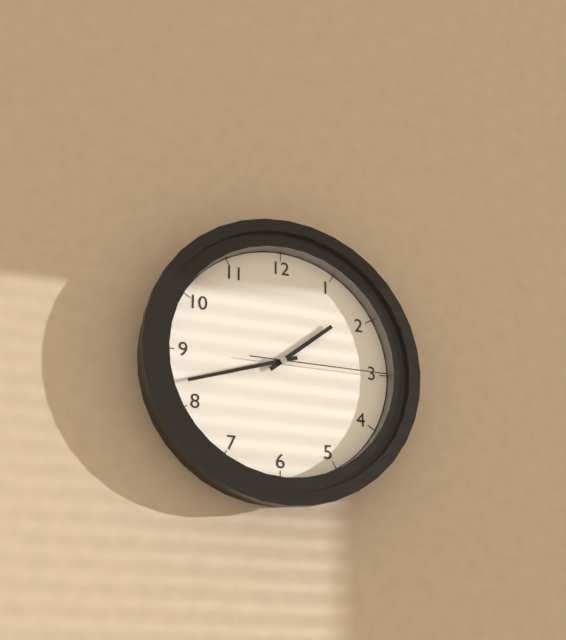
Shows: {"hour": 1, "minute": 42, "second": 15}
